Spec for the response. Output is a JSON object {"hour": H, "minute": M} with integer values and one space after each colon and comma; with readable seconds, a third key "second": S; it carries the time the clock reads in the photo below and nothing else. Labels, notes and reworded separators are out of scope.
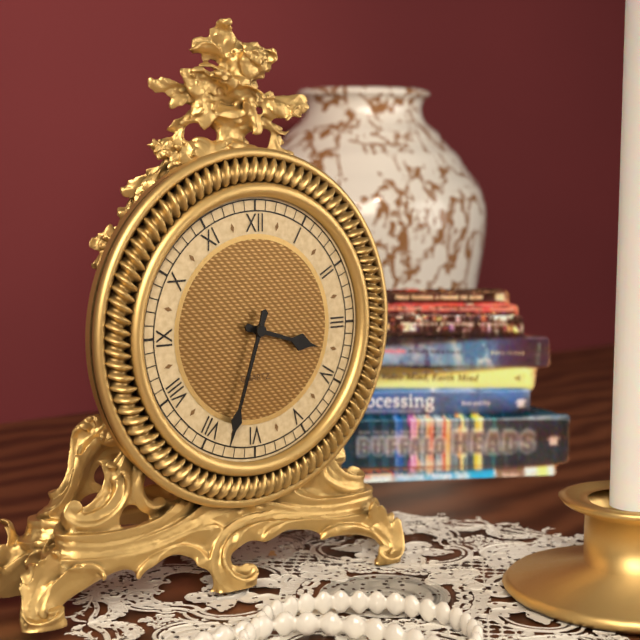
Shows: {"hour": 3, "minute": 33}
